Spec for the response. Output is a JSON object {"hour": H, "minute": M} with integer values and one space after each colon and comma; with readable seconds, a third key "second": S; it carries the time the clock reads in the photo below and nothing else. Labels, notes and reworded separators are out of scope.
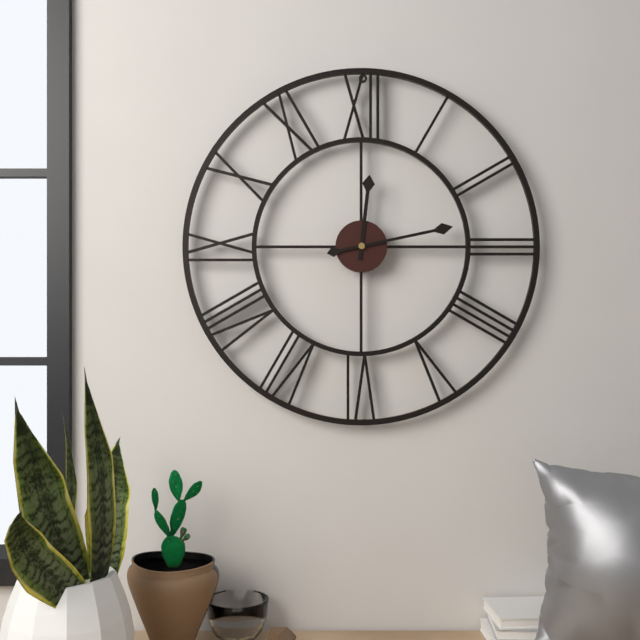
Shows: {"hour": 12, "minute": 13}
